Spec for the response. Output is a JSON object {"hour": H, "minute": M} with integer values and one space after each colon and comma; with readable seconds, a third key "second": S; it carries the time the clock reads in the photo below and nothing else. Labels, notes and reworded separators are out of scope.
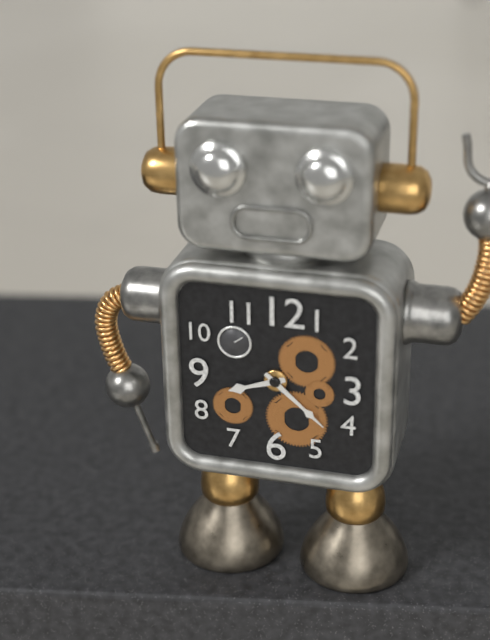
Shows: {"hour": 8, "minute": 22}
